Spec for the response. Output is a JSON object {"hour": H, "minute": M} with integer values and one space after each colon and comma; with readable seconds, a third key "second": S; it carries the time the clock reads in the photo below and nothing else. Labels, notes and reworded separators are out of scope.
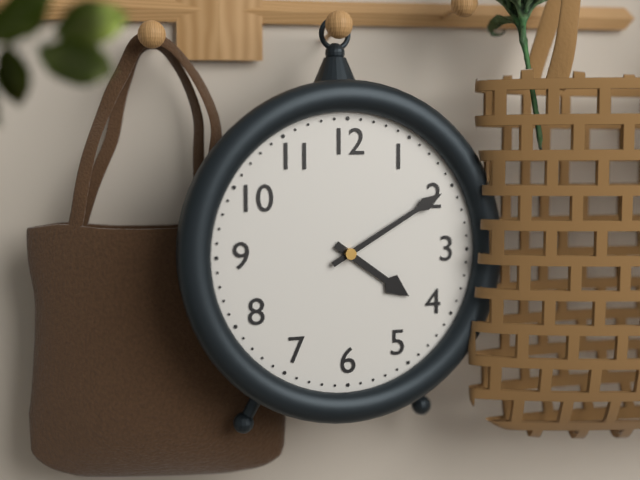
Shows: {"hour": 4, "minute": 10}
